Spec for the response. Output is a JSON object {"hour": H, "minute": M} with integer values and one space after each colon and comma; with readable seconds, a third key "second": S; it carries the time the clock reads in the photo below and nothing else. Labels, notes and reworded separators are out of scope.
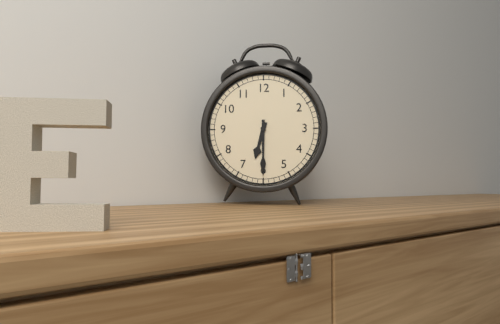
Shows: {"hour": 6, "minute": 30}
